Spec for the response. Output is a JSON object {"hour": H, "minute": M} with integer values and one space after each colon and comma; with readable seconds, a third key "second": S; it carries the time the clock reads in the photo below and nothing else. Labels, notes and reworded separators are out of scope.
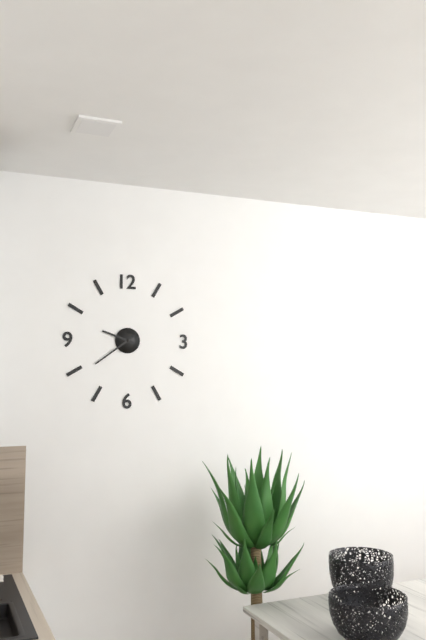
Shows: {"hour": 9, "minute": 39}
